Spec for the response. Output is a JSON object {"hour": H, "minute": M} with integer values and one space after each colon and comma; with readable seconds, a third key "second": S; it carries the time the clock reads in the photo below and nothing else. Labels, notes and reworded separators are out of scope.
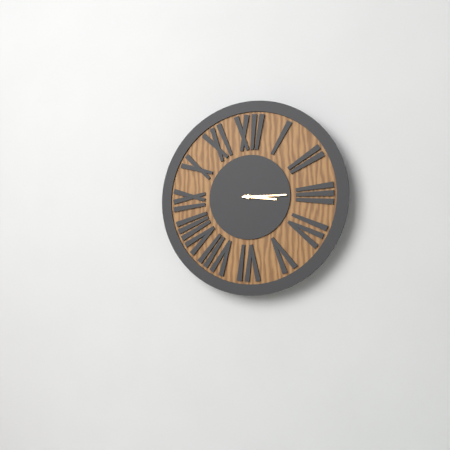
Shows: {"hour": 3, "minute": 15}
